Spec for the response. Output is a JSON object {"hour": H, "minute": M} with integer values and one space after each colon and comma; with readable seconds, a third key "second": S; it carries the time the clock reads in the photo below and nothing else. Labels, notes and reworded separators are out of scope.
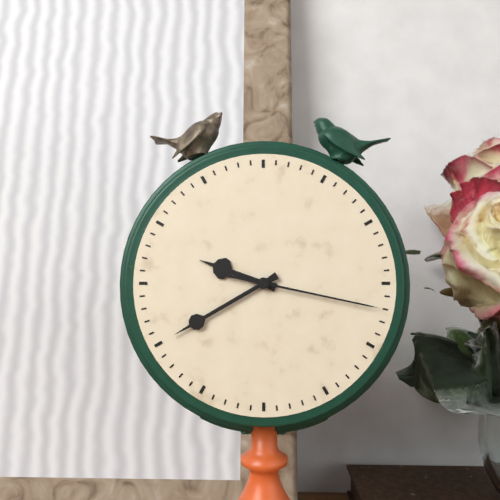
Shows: {"hour": 9, "minute": 40, "second": 17}
